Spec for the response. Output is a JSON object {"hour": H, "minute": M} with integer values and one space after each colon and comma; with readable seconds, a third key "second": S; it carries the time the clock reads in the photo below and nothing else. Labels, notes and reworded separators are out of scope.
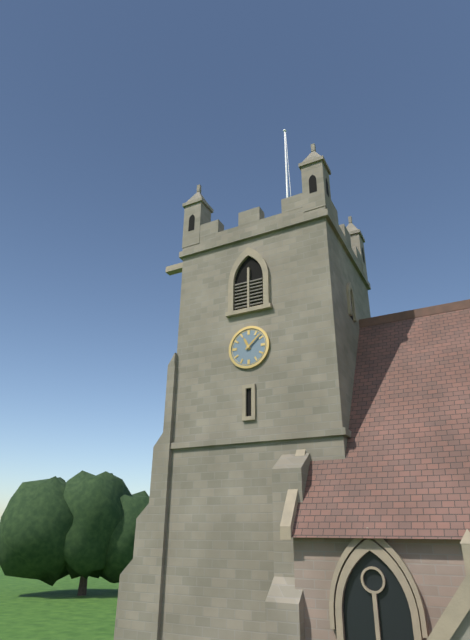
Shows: {"hour": 11, "minute": 8}
